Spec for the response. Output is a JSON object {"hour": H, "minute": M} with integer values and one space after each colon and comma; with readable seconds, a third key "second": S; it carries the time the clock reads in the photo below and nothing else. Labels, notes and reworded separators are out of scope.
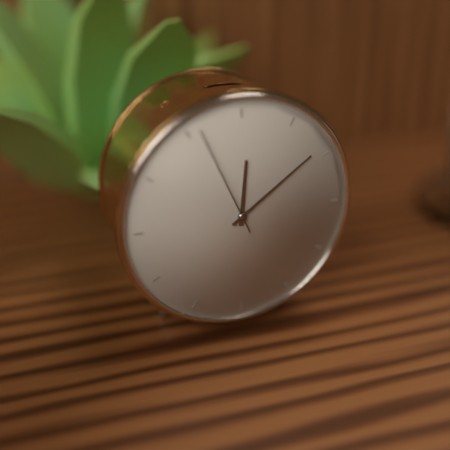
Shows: {"hour": 12, "minute": 9, "second": 56}
